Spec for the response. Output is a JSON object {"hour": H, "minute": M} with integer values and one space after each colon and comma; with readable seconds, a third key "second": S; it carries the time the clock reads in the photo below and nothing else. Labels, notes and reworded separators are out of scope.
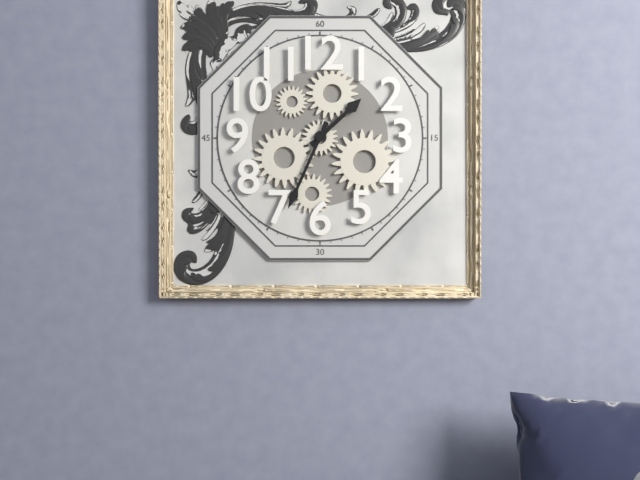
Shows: {"hour": 1, "minute": 34}
